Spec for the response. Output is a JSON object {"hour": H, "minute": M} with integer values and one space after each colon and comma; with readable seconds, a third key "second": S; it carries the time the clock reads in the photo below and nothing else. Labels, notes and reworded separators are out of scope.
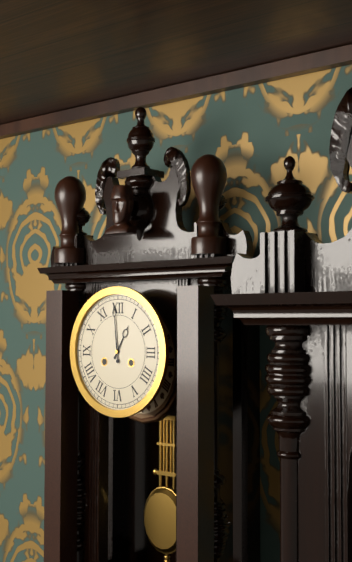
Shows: {"hour": 12, "minute": 59}
